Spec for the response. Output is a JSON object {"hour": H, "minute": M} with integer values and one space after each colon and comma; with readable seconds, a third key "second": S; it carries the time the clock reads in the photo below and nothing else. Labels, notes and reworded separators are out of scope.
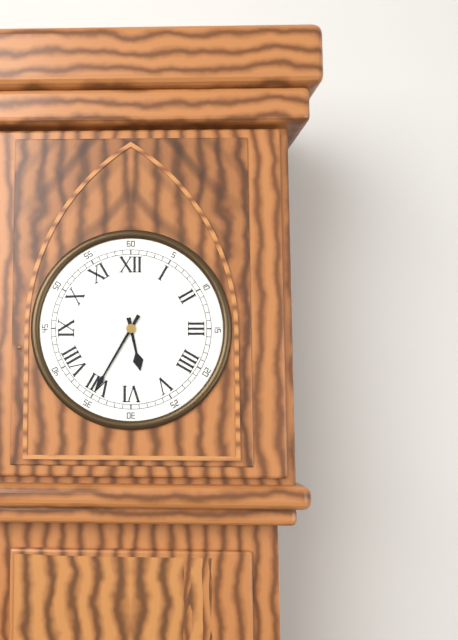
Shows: {"hour": 5, "minute": 35}
